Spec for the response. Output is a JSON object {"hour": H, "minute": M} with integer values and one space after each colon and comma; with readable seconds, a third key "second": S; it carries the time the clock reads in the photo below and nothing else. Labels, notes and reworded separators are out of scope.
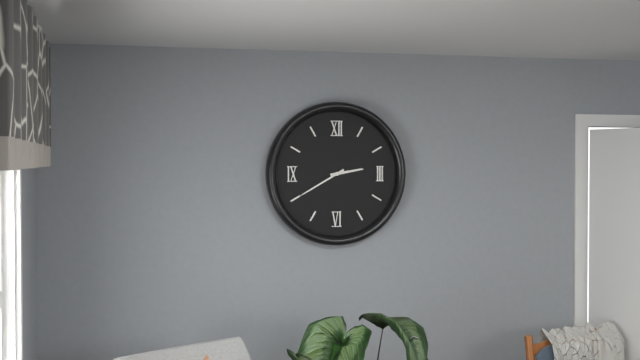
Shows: {"hour": 2, "minute": 40}
